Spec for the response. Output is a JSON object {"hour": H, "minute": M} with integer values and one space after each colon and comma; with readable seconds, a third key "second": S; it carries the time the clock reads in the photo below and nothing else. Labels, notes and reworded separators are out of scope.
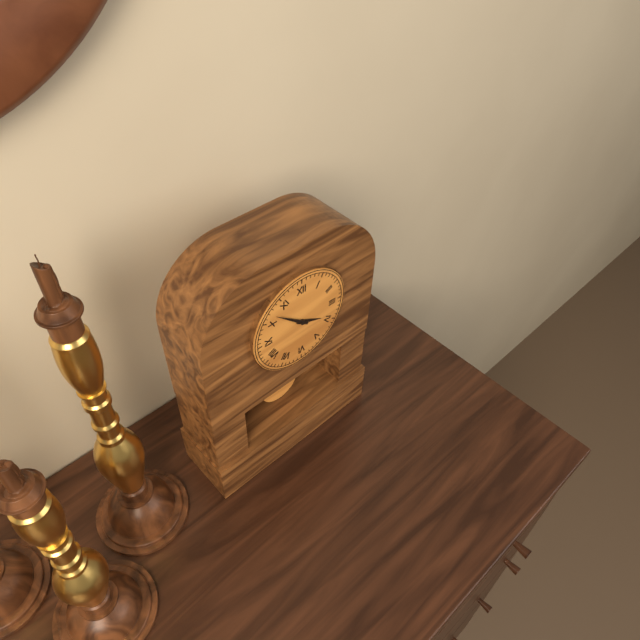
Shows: {"hour": 3, "minute": 52}
